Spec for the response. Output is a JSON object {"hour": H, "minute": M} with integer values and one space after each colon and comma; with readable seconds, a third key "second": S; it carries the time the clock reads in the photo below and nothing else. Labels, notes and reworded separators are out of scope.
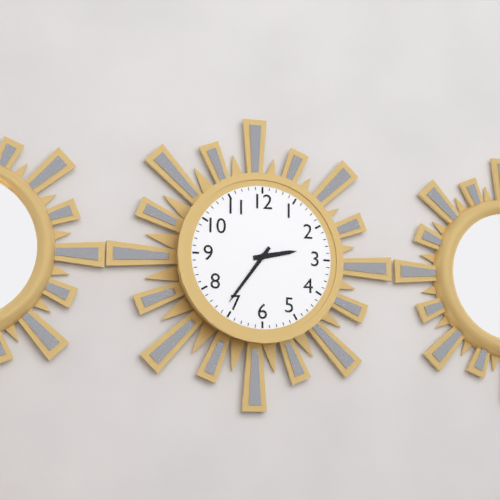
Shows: {"hour": 2, "minute": 36}
